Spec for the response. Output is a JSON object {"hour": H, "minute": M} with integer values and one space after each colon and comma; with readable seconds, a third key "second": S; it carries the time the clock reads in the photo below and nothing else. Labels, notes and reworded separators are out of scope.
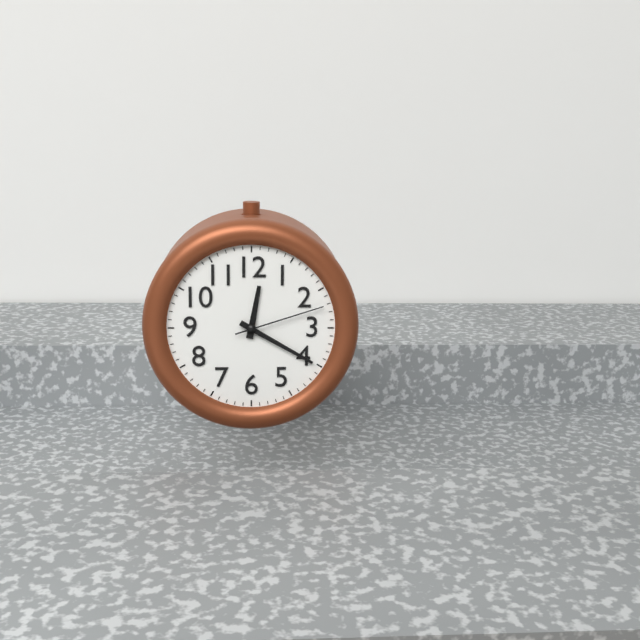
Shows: {"hour": 12, "minute": 20, "second": 12}
